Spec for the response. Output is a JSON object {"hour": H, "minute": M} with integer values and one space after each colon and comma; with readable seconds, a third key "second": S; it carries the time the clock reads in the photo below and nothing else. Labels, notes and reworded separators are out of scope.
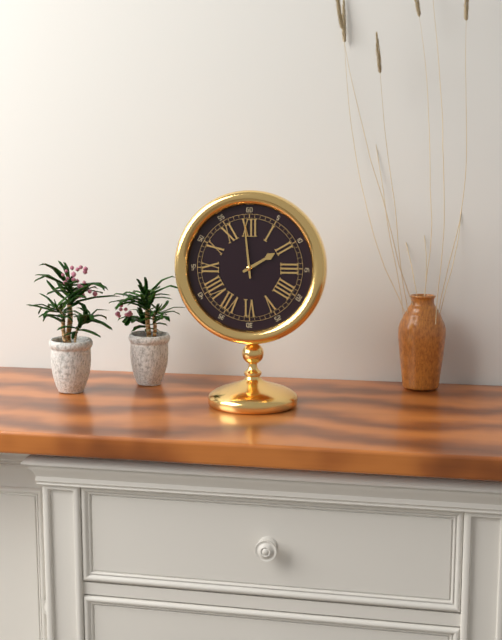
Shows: {"hour": 1, "minute": 59}
